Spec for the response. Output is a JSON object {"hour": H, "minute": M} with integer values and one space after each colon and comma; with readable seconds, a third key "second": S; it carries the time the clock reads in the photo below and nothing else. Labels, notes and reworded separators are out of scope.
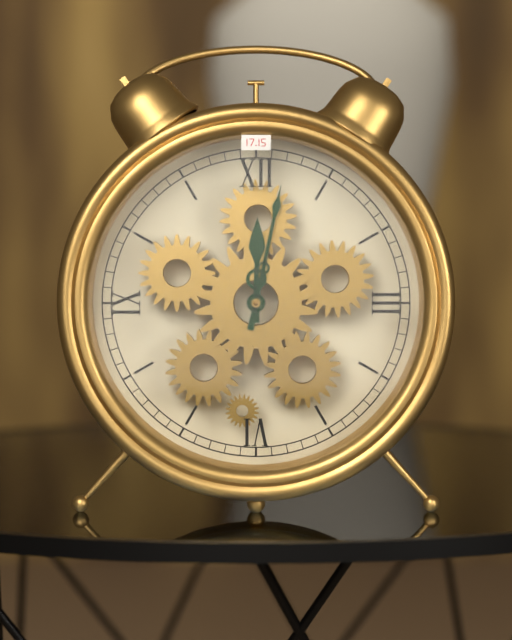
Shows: {"hour": 12, "minute": 2}
